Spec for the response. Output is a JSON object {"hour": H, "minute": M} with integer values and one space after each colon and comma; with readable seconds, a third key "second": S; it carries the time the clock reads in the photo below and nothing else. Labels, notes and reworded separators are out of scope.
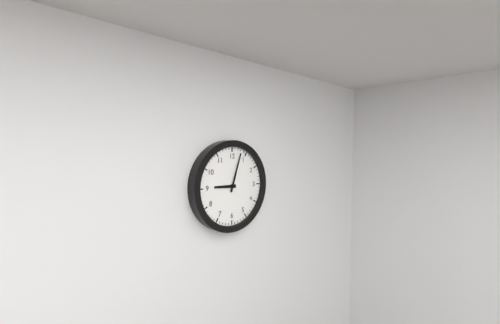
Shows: {"hour": 9, "minute": 3}
